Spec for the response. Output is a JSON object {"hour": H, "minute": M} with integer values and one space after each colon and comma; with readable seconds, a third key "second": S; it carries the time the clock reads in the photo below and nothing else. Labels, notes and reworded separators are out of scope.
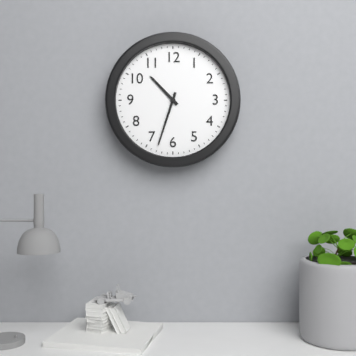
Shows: {"hour": 10, "minute": 33}
